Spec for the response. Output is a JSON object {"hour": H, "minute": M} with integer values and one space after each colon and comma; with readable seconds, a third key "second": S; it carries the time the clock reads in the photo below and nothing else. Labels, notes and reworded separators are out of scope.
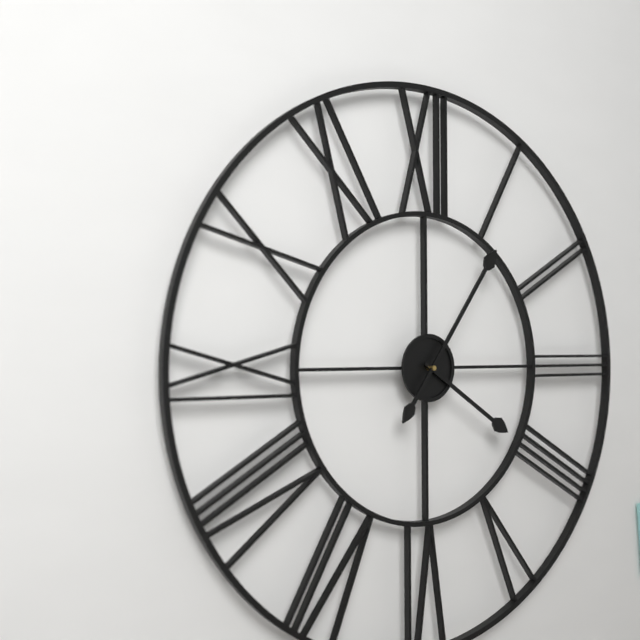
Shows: {"hour": 4, "minute": 6}
